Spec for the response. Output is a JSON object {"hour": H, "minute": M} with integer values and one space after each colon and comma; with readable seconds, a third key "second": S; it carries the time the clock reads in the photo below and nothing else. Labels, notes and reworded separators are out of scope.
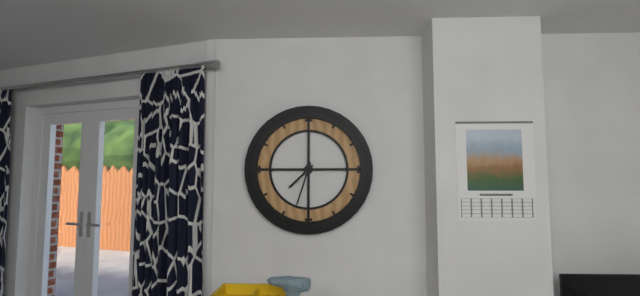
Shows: {"hour": 7, "minute": 33}
